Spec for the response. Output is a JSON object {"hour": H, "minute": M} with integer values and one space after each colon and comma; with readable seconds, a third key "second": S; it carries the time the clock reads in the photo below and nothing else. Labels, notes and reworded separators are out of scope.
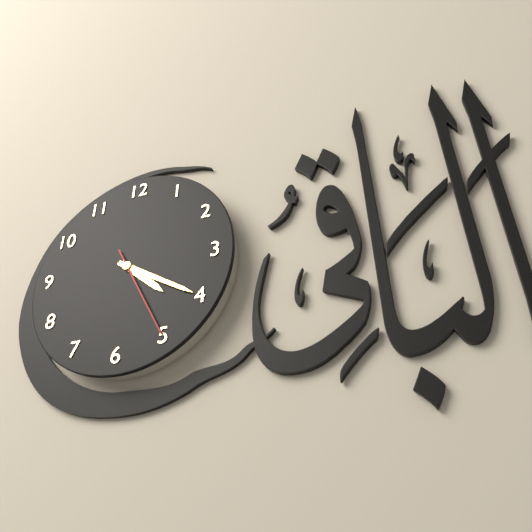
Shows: {"hour": 4, "minute": 20, "second": 25}
